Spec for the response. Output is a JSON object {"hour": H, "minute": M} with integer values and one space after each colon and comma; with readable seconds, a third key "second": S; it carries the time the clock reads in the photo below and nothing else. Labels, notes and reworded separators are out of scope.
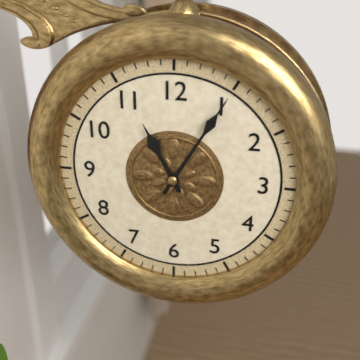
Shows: {"hour": 11, "minute": 5}
